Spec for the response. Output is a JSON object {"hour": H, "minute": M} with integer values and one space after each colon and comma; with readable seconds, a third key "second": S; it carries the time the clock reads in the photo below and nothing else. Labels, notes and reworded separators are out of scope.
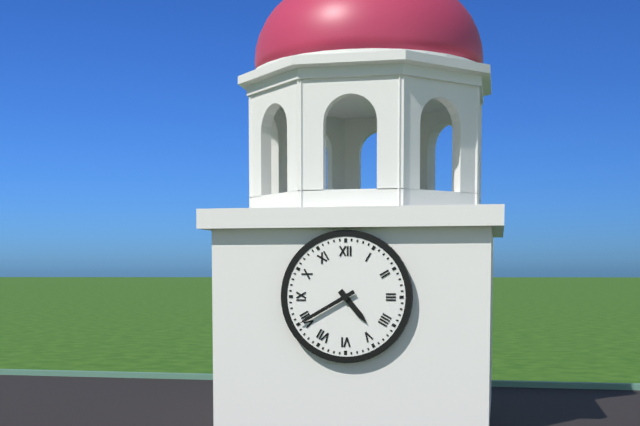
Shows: {"hour": 4, "minute": 40}
